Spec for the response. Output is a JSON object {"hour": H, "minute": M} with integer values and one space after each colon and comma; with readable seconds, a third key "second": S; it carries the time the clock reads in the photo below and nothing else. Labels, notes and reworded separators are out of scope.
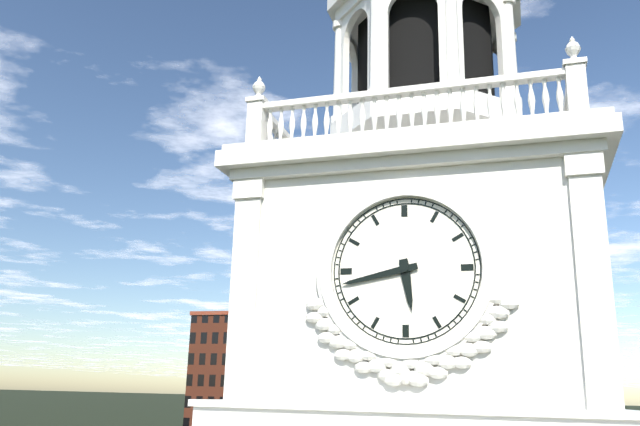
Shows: {"hour": 5, "minute": 43}
